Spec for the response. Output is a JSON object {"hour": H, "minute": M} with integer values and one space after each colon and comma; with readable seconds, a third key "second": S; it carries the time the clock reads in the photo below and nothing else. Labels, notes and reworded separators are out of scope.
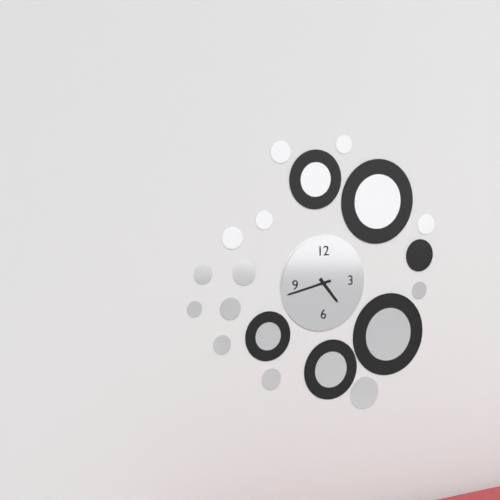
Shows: {"hour": 4, "minute": 43}
